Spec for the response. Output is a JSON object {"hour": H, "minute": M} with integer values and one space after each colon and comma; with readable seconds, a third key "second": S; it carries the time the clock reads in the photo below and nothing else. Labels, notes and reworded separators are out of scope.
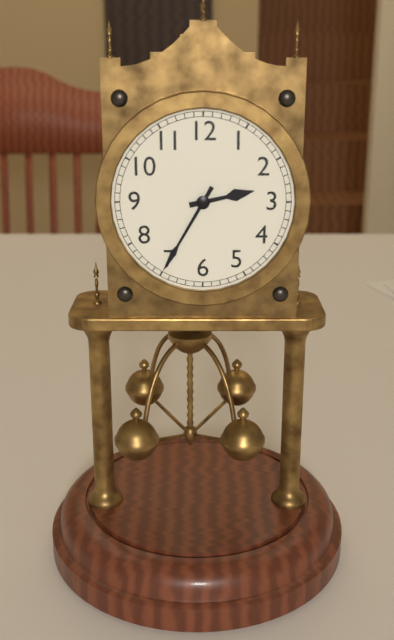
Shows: {"hour": 2, "minute": 35}
